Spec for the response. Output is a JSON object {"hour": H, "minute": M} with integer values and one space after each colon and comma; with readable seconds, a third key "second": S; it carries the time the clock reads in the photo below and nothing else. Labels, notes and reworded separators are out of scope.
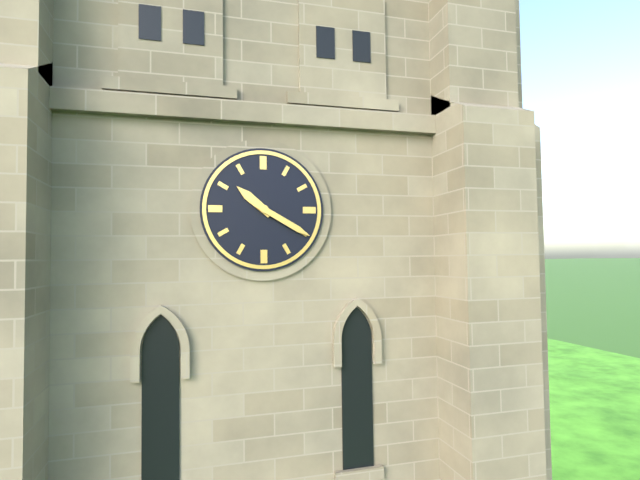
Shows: {"hour": 10, "minute": 20}
